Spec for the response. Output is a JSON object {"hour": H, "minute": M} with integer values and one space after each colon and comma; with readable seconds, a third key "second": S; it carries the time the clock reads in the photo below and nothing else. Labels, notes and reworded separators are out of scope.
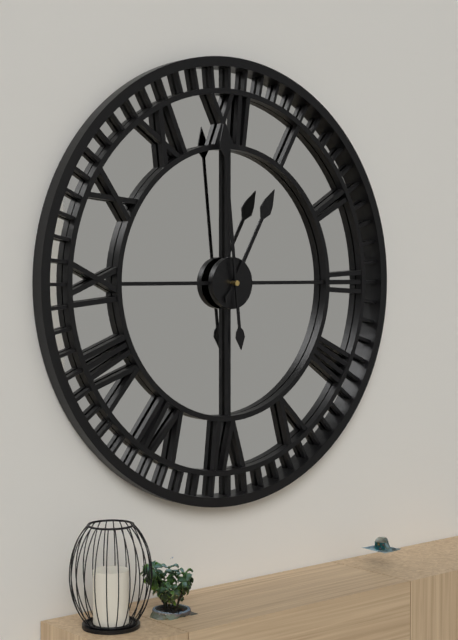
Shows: {"hour": 12, "minute": 59}
